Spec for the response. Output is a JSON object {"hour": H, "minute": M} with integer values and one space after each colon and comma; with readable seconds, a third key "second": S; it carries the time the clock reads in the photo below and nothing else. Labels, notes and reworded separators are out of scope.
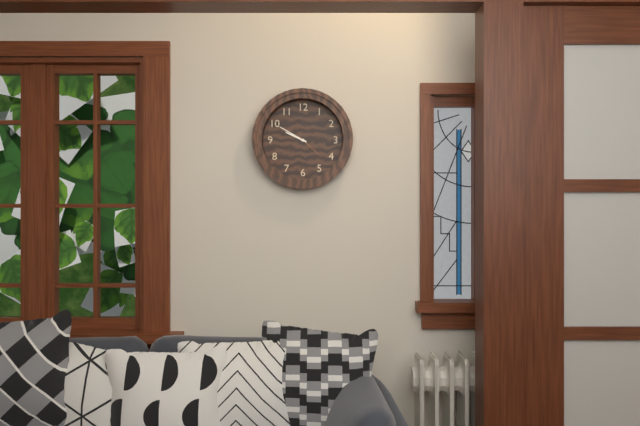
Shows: {"hour": 9, "minute": 50}
